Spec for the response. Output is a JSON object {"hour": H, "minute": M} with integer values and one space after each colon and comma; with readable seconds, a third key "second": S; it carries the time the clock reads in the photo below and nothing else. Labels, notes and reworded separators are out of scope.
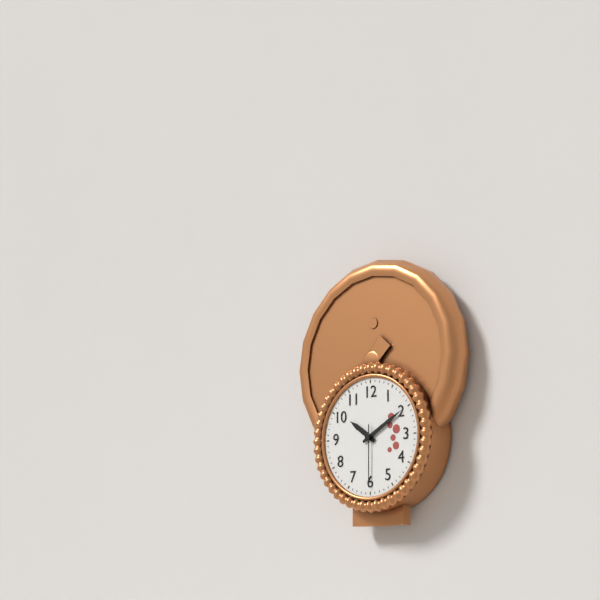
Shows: {"hour": 10, "minute": 10, "second": 30}
